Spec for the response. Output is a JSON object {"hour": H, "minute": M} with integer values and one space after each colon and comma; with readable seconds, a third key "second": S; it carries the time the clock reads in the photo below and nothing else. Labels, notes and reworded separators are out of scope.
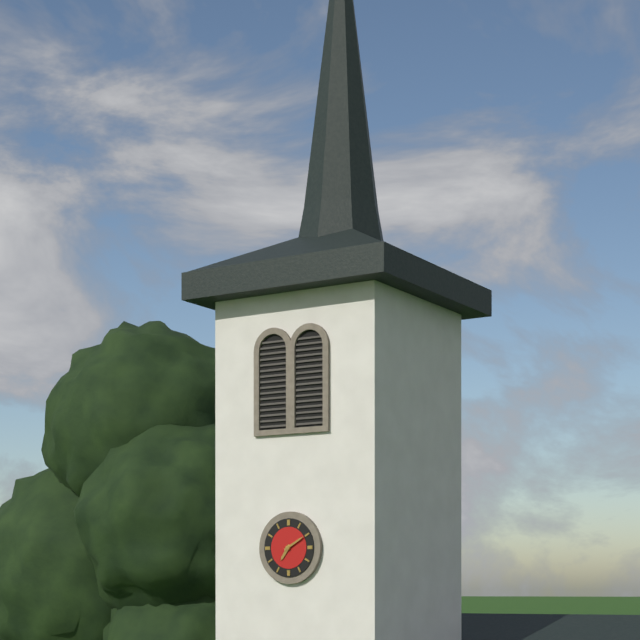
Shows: {"hour": 7, "minute": 10}
